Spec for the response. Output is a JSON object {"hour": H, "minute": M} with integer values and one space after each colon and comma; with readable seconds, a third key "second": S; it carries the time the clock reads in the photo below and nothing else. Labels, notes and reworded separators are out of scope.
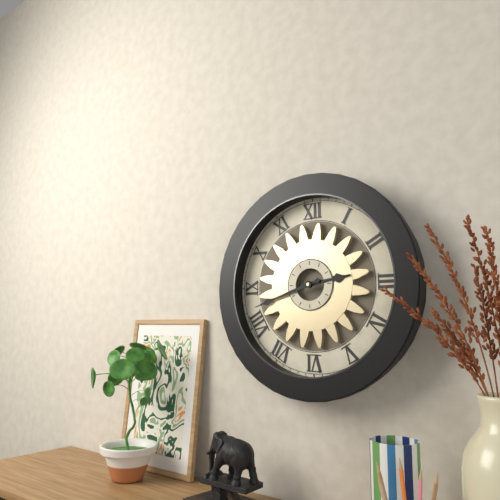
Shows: {"hour": 2, "minute": 42}
